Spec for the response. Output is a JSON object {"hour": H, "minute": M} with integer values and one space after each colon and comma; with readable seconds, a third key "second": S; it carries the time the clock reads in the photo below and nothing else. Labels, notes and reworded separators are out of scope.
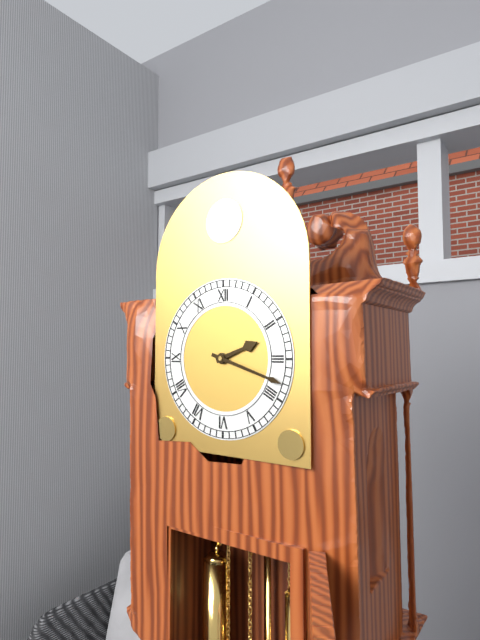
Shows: {"hour": 2, "minute": 18}
